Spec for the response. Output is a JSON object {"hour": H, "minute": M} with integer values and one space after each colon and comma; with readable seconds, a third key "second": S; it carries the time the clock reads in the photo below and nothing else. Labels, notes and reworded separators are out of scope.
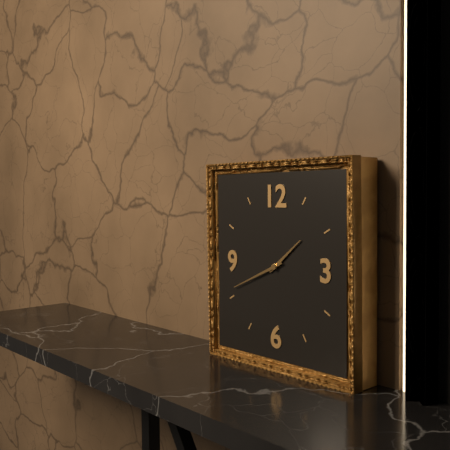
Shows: {"hour": 1, "minute": 41}
